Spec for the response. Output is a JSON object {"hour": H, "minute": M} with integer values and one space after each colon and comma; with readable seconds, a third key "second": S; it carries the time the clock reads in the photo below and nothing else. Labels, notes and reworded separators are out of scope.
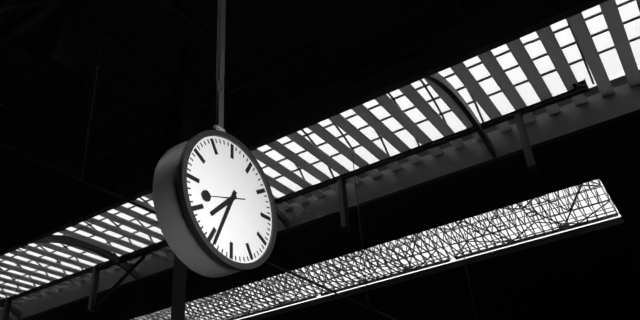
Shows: {"hour": 7, "minute": 34}
